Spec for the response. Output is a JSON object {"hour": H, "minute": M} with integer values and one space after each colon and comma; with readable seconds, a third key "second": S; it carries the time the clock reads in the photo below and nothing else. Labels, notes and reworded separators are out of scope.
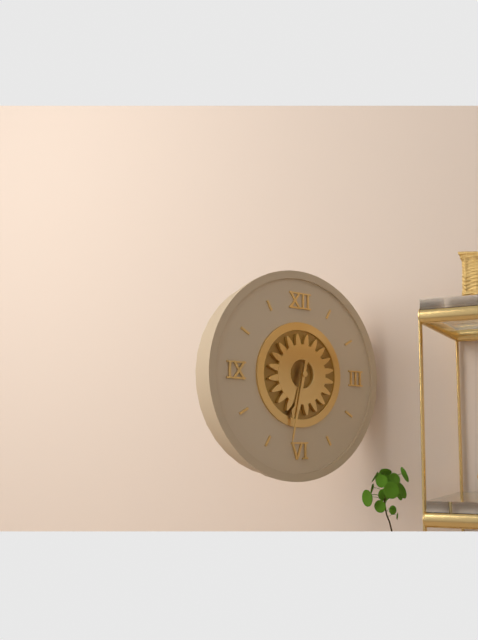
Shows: {"hour": 6, "minute": 32}
